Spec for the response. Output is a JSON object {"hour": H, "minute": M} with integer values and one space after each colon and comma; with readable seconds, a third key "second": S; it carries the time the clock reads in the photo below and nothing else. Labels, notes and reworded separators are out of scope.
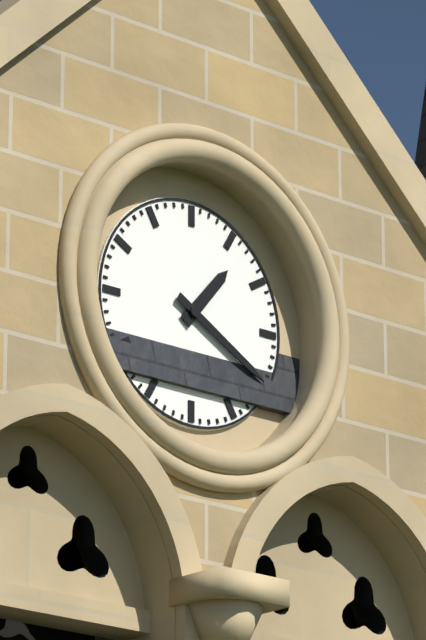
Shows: {"hour": 1, "minute": 20}
